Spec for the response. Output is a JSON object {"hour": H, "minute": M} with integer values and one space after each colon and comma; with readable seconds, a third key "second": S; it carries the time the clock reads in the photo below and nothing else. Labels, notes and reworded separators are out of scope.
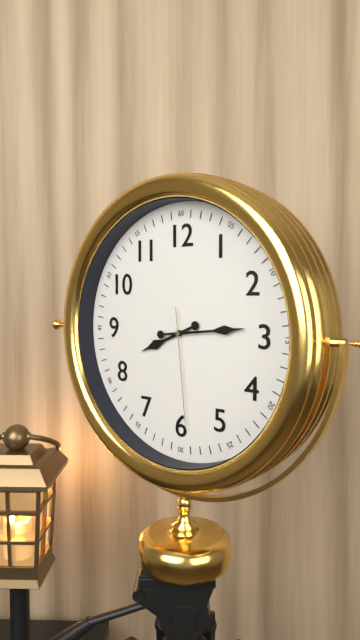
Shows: {"hour": 8, "minute": 14, "second": 29}
